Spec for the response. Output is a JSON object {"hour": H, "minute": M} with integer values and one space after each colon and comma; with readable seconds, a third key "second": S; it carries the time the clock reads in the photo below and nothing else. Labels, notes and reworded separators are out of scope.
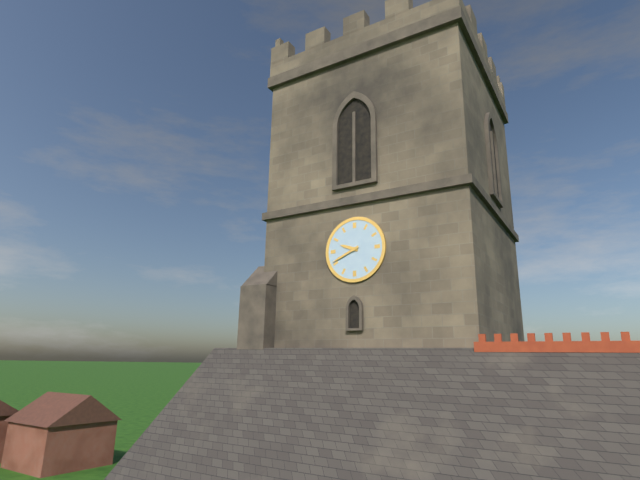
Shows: {"hour": 9, "minute": 41}
